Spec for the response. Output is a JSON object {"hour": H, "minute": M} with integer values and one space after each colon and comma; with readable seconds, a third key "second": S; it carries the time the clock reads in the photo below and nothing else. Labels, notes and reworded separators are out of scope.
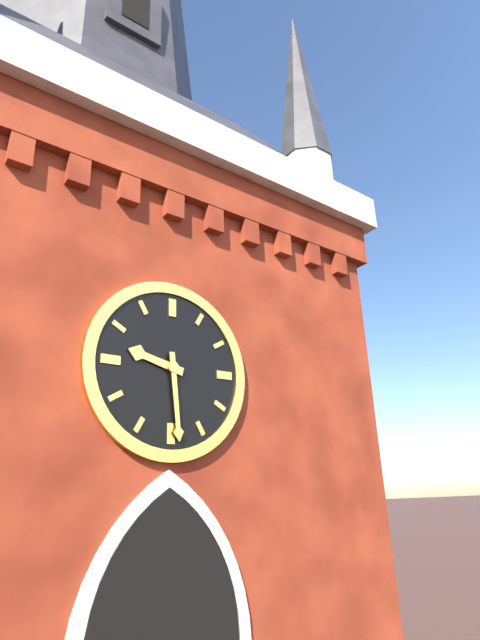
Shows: {"hour": 9, "minute": 29}
